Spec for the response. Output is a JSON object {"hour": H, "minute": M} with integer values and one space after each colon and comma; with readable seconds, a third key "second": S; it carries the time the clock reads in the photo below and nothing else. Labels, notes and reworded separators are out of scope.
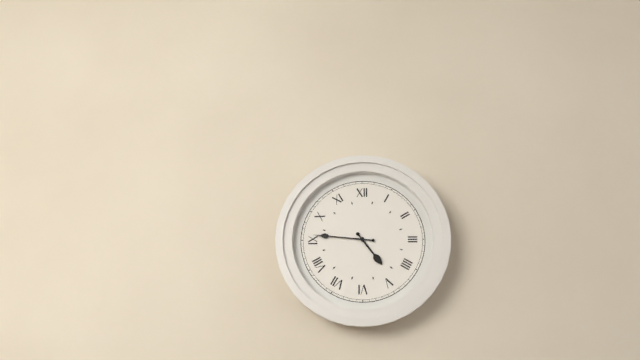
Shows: {"hour": 4, "minute": 46}
